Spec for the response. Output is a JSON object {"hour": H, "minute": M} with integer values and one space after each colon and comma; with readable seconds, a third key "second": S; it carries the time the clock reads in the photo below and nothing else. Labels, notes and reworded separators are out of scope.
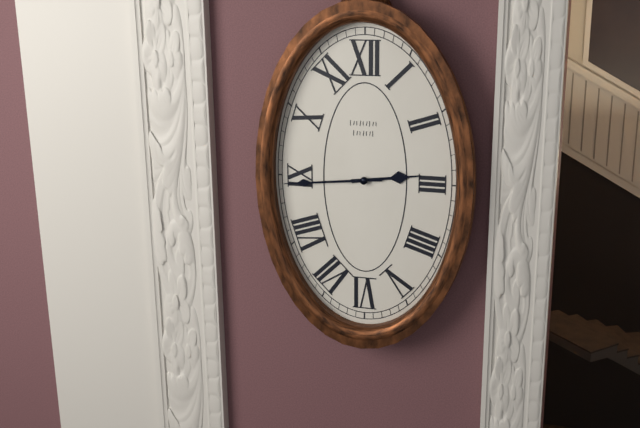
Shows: {"hour": 2, "minute": 44}
